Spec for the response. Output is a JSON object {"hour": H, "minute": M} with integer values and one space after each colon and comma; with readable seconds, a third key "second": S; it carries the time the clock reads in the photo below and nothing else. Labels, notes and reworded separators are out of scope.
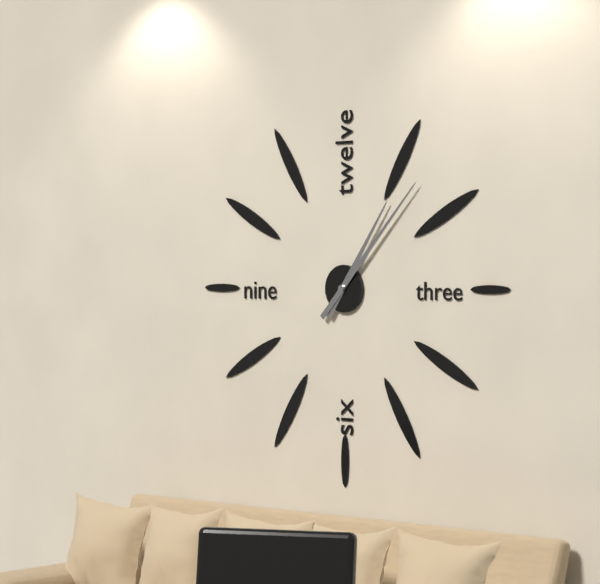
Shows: {"hour": 1, "minute": 7}
